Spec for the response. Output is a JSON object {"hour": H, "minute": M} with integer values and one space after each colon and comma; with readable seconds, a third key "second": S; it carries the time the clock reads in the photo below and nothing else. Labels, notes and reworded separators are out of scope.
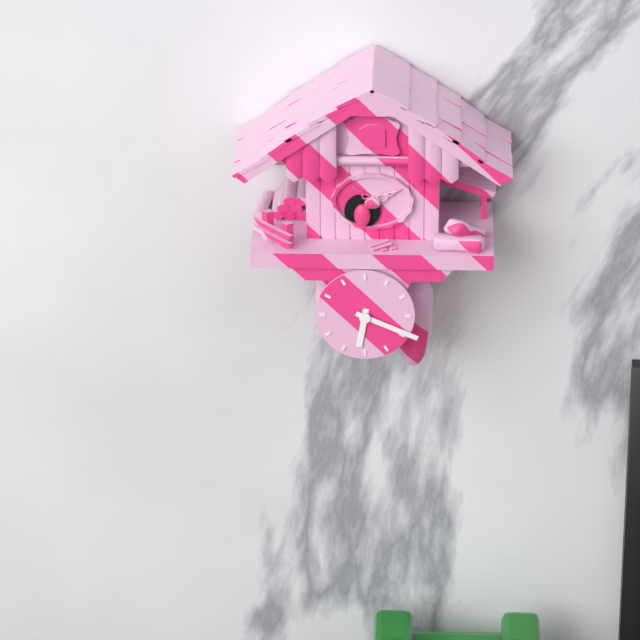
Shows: {"hour": 6, "minute": 19}
